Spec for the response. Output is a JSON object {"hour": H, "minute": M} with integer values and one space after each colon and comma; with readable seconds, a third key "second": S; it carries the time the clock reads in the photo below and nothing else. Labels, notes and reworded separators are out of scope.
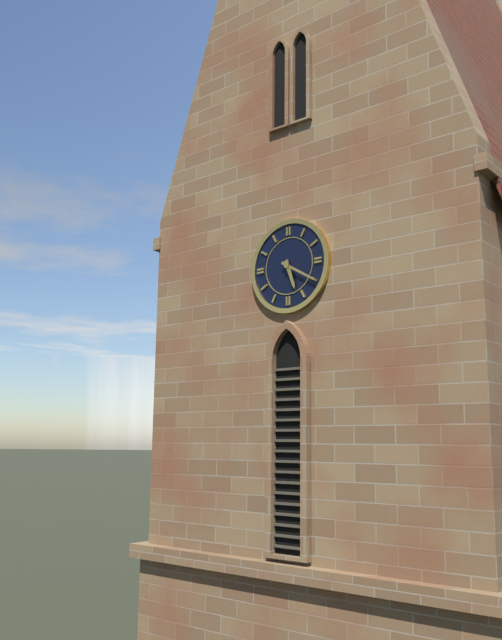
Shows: {"hour": 5, "minute": 20}
